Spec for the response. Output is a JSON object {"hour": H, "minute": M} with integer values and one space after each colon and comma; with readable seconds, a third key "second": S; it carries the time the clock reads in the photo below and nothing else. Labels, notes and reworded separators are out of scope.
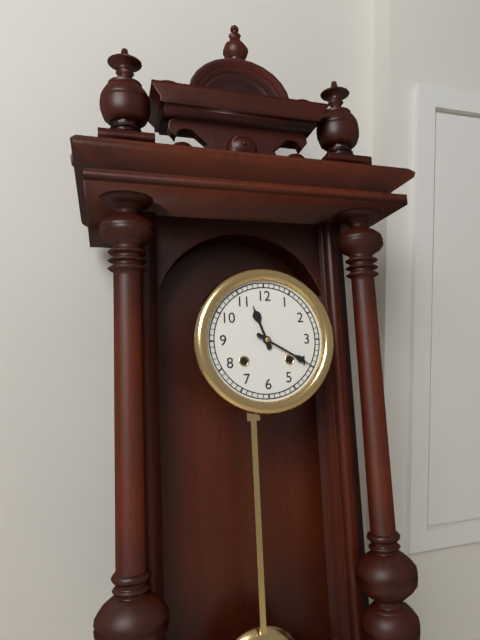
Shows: {"hour": 11, "minute": 20}
